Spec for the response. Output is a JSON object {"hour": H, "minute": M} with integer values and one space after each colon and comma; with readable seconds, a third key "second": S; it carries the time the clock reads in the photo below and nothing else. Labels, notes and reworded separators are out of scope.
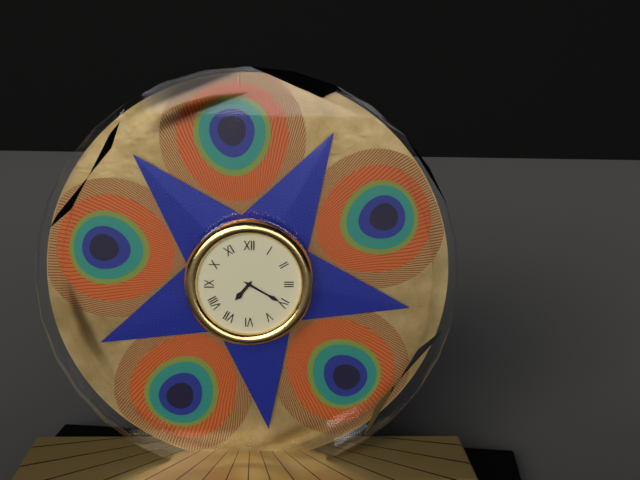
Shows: {"hour": 7, "minute": 20}
